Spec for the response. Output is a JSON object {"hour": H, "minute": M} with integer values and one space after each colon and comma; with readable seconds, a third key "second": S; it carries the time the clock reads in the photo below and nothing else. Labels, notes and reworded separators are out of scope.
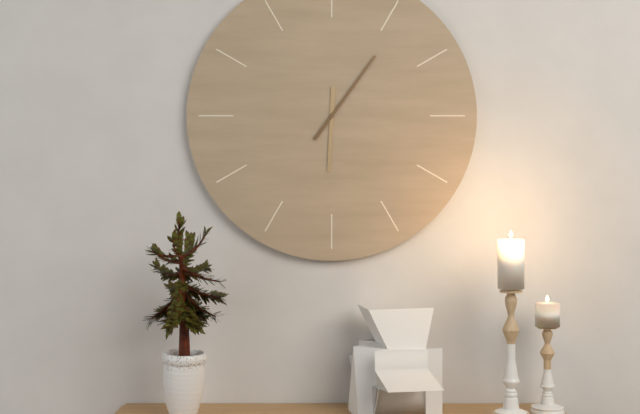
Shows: {"hour": 6, "minute": 6}
